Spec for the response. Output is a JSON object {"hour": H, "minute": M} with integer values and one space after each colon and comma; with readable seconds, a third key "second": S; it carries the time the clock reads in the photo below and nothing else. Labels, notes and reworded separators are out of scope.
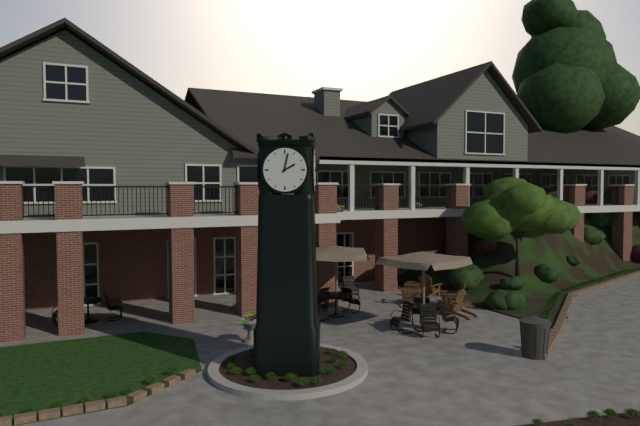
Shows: {"hour": 2, "minute": 2}
